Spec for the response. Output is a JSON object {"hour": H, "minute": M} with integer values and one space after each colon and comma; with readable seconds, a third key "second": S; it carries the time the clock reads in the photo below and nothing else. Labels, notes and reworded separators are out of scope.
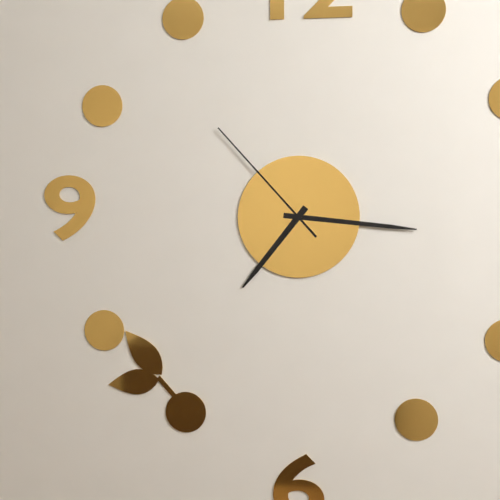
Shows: {"hour": 7, "minute": 16, "second": 53}
